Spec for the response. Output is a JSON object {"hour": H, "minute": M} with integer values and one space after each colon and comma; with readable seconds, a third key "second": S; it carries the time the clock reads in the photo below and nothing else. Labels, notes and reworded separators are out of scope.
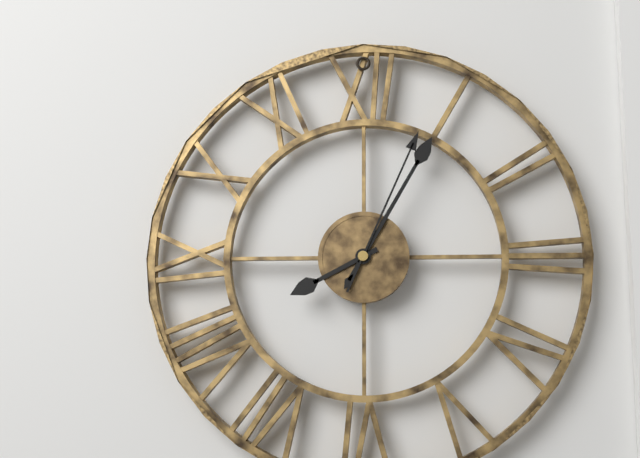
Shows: {"hour": 8, "minute": 5, "second": 4}
